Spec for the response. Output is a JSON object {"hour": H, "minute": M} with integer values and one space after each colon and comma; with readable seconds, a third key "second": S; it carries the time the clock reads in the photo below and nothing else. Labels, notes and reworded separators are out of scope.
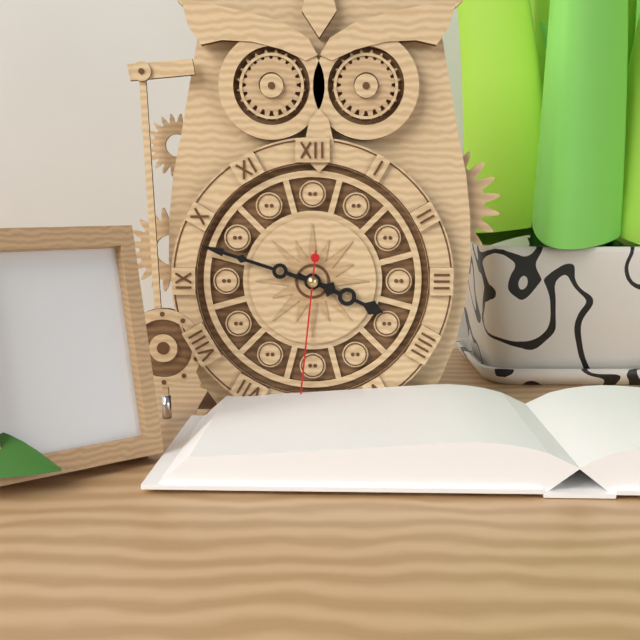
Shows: {"hour": 3, "minute": 48, "second": 31}
